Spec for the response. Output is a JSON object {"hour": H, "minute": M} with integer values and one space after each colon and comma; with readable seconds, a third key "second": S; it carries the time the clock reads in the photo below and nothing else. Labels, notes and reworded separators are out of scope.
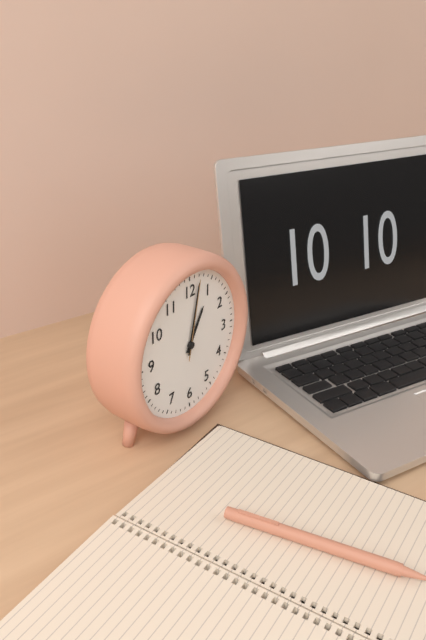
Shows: {"hour": 1, "minute": 2, "second": 2}
